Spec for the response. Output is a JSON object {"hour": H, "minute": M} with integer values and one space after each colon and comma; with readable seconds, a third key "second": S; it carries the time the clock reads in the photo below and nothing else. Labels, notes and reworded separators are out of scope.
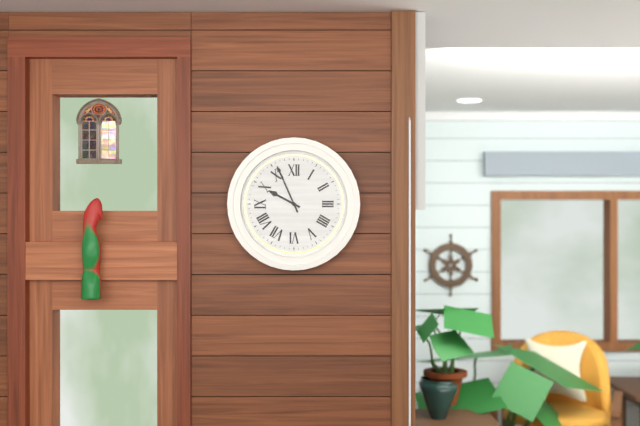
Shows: {"hour": 9, "minute": 56}
